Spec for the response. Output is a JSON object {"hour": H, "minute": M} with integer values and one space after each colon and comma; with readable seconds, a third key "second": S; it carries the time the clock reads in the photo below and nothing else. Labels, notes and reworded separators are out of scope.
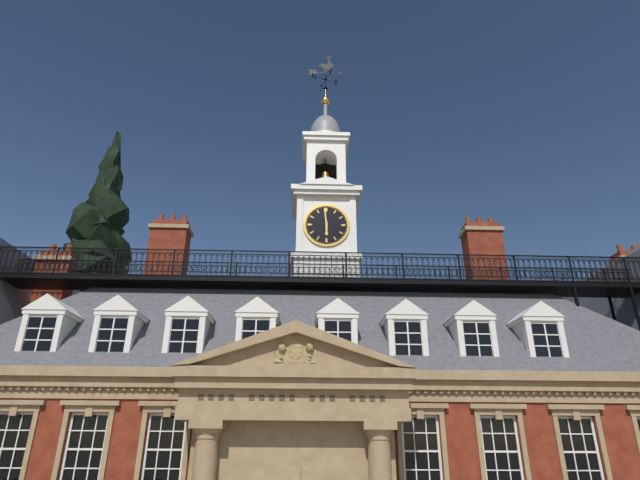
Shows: {"hour": 5, "minute": 59}
